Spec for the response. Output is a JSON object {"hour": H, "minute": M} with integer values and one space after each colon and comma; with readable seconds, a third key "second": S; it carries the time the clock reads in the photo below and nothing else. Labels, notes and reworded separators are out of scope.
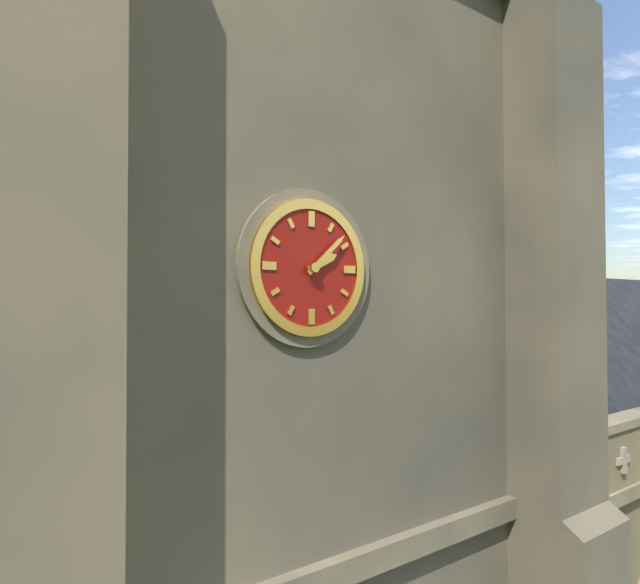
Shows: {"hour": 2, "minute": 8}
